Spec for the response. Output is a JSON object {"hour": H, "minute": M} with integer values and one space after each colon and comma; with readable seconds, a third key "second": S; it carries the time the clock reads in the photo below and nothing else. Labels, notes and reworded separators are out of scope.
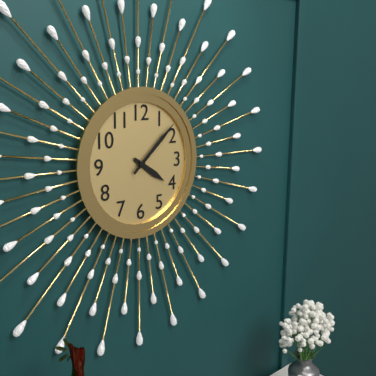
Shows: {"hour": 4, "minute": 8}
